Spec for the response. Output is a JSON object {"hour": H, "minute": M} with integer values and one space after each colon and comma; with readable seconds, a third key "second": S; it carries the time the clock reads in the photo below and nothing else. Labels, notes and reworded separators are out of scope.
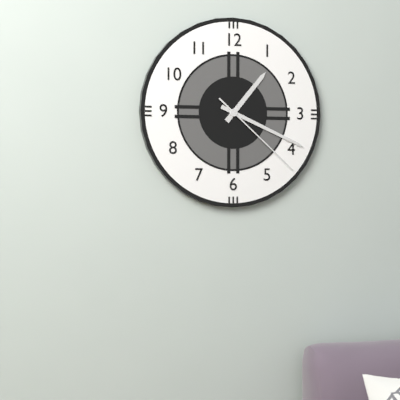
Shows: {"hour": 1, "minute": 19, "second": 22}
